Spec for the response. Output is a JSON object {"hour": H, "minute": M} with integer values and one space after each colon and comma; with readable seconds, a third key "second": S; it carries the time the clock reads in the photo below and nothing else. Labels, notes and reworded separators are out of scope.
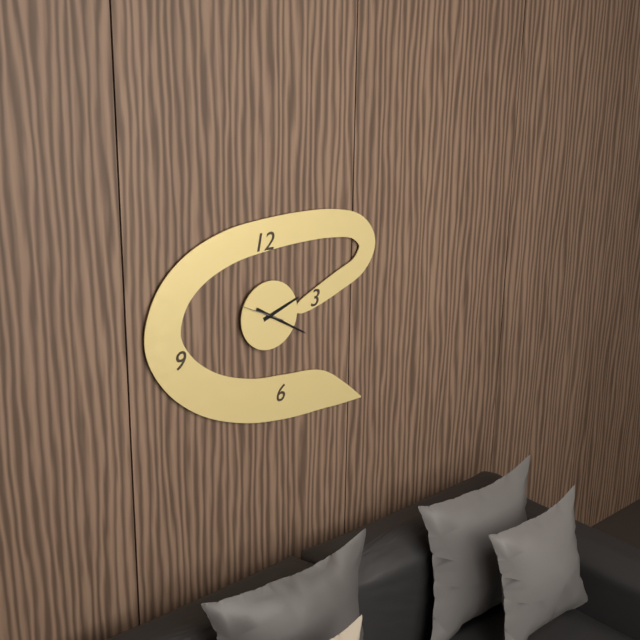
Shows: {"hour": 2, "minute": 20}
